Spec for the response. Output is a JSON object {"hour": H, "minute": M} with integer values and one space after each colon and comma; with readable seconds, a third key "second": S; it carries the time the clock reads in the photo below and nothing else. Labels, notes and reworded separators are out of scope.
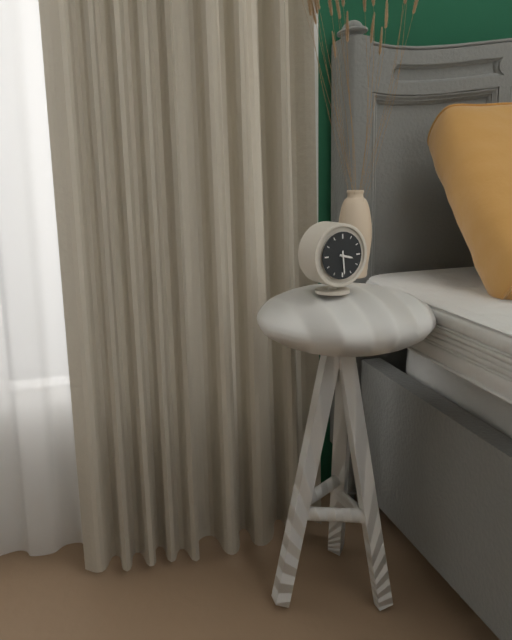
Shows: {"hour": 3, "minute": 29}
